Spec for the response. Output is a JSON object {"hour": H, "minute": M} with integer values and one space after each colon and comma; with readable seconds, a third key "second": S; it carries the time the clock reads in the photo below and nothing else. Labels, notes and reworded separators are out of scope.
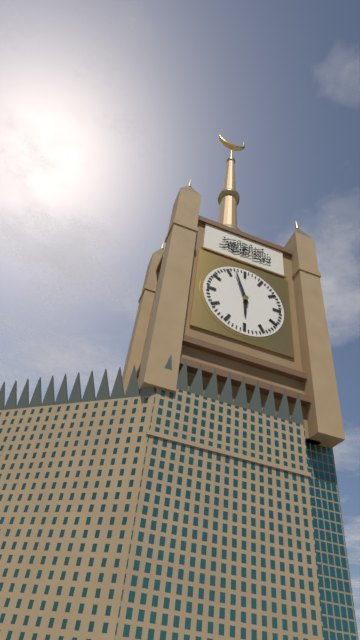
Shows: {"hour": 5, "minute": 57}
